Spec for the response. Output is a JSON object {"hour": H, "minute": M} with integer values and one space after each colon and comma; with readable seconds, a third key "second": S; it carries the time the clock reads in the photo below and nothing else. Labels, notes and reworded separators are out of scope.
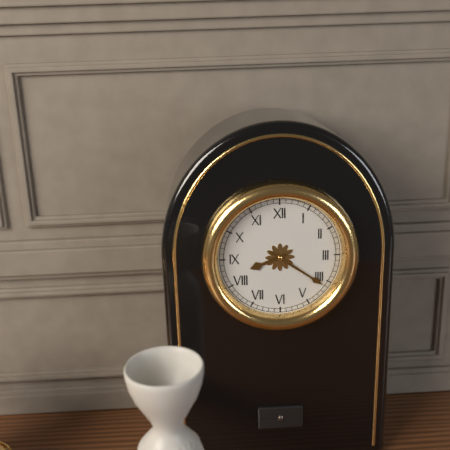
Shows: {"hour": 8, "minute": 21}
